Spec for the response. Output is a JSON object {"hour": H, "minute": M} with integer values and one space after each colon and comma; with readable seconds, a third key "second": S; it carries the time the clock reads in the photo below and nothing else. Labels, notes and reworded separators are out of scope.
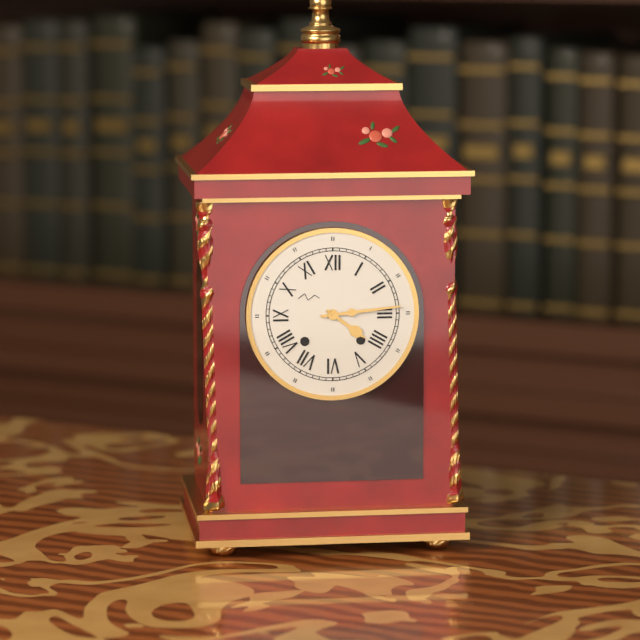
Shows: {"hour": 4, "minute": 14}
